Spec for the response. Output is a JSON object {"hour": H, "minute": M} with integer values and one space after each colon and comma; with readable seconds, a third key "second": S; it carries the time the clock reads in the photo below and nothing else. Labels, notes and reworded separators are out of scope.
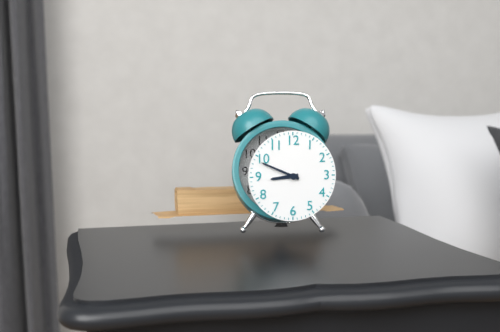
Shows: {"hour": 8, "minute": 49}
